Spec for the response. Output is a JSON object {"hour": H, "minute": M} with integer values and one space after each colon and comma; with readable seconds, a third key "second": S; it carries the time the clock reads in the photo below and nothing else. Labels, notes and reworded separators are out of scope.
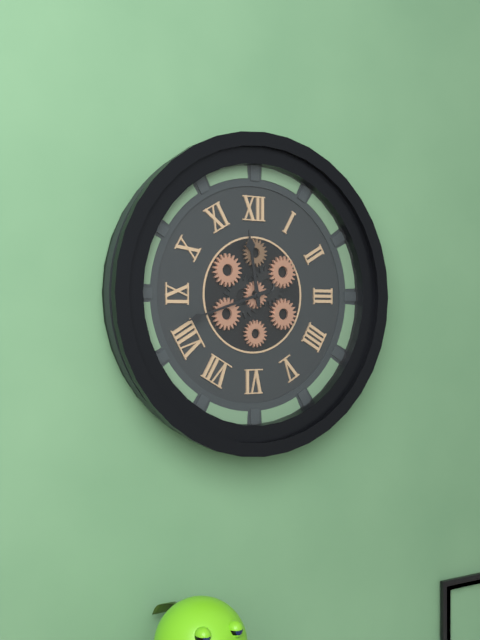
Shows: {"hour": 11, "minute": 42}
